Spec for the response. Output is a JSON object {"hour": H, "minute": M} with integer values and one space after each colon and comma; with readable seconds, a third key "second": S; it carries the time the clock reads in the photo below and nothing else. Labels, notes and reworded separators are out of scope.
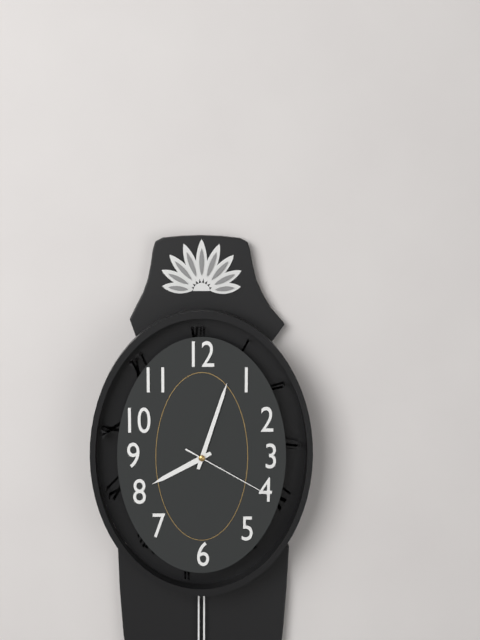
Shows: {"hour": 8, "minute": 3, "second": 20}
